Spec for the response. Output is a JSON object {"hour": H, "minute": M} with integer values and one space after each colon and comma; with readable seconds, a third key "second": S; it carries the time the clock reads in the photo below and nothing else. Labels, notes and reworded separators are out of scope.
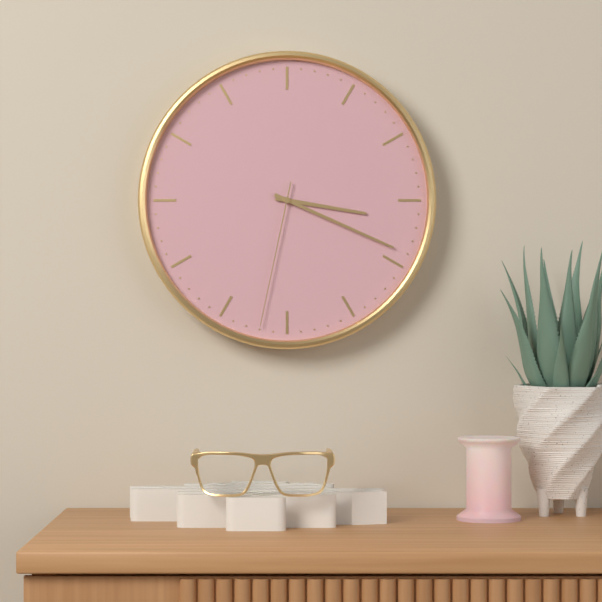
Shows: {"hour": 3, "minute": 19, "second": 32}
